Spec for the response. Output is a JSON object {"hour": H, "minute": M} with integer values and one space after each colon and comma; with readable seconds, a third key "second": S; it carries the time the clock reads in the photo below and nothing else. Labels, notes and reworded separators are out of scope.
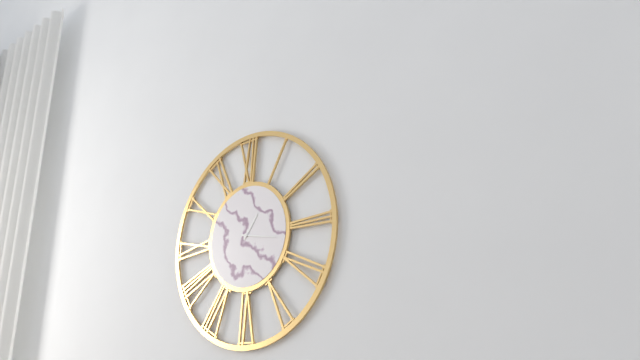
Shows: {"hour": 1, "minute": 17}
